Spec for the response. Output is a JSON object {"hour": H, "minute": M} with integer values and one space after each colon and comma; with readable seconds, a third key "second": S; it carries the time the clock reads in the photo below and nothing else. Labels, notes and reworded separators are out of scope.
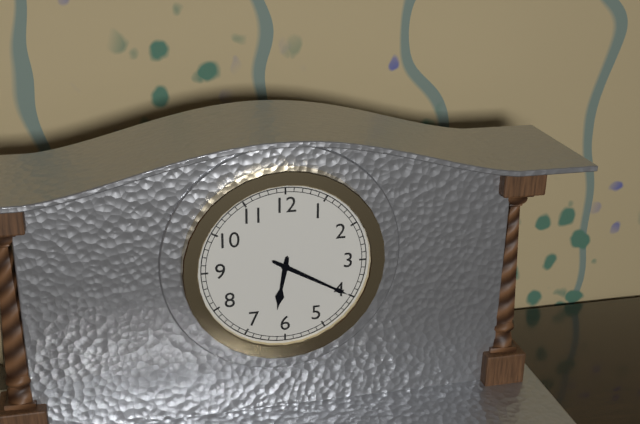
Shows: {"hour": 6, "minute": 20}
